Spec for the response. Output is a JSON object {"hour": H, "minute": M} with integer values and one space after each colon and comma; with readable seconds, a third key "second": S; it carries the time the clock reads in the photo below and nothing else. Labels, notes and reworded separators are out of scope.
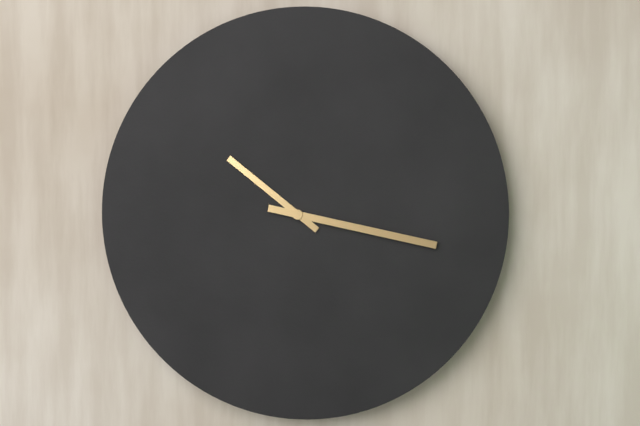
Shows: {"hour": 10, "minute": 17}
